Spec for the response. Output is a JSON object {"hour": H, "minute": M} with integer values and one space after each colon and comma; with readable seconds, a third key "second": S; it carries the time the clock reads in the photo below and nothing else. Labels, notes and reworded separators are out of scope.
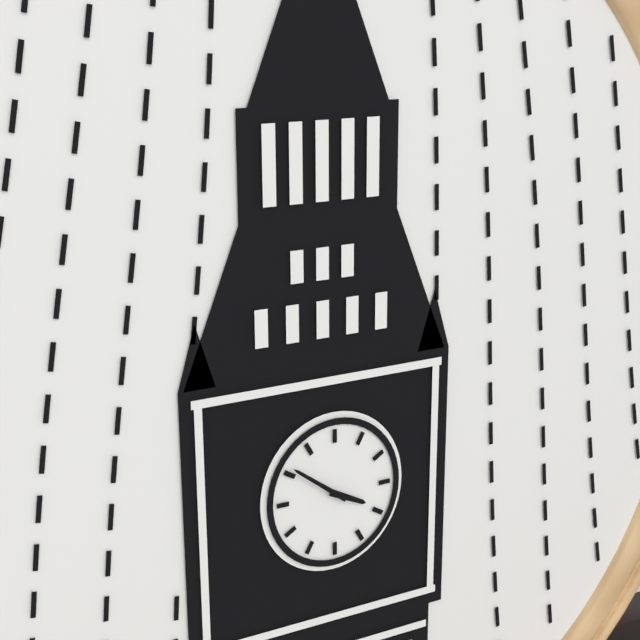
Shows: {"hour": 3, "minute": 51}
